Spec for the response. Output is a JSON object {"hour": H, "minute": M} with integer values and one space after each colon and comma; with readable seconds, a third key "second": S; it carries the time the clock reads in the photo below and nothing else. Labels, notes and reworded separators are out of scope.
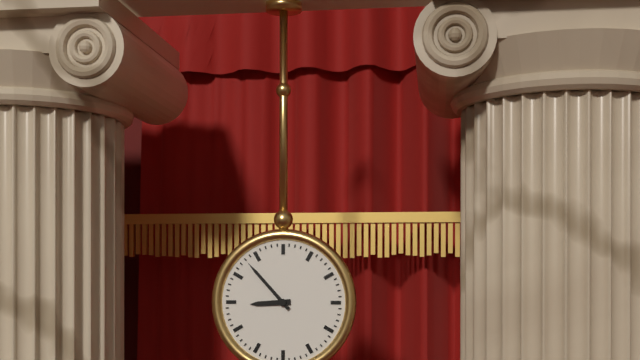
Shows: {"hour": 8, "minute": 53}
